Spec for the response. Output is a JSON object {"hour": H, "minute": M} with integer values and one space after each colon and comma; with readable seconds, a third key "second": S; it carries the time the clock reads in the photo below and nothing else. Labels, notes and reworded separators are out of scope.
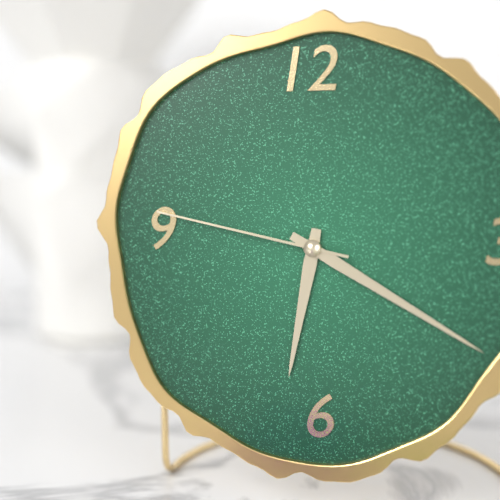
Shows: {"hour": 6, "minute": 20, "second": 47}
